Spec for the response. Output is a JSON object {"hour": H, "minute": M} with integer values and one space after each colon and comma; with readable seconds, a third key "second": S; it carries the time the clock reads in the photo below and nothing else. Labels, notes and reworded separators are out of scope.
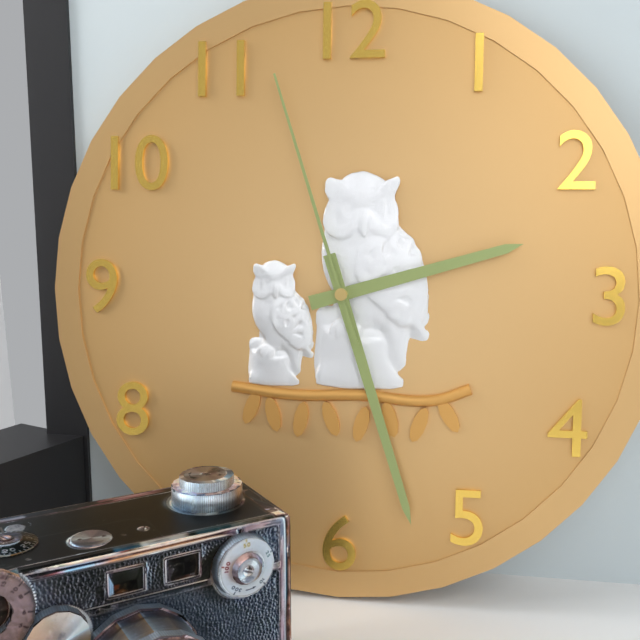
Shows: {"hour": 2, "minute": 27, "second": 57}
